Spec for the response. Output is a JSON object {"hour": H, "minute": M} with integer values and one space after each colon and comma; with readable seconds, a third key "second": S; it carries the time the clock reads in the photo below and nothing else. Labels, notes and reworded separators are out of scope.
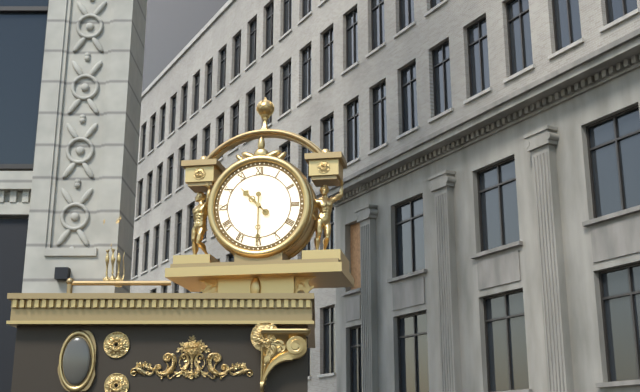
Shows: {"hour": 10, "minute": 30}
